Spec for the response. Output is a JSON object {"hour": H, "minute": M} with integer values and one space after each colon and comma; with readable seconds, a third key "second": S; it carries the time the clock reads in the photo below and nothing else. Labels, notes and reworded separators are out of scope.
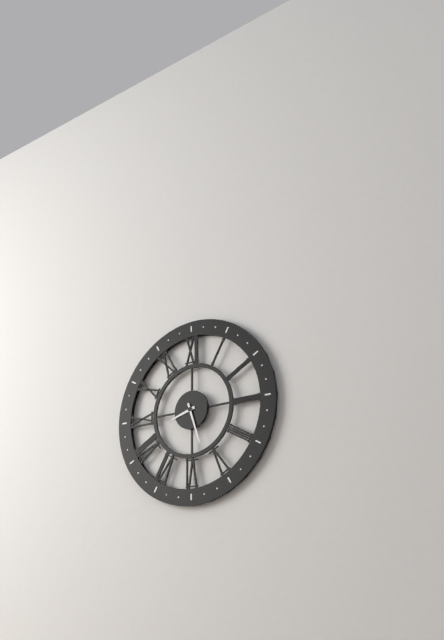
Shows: {"hour": 8, "minute": 27}
